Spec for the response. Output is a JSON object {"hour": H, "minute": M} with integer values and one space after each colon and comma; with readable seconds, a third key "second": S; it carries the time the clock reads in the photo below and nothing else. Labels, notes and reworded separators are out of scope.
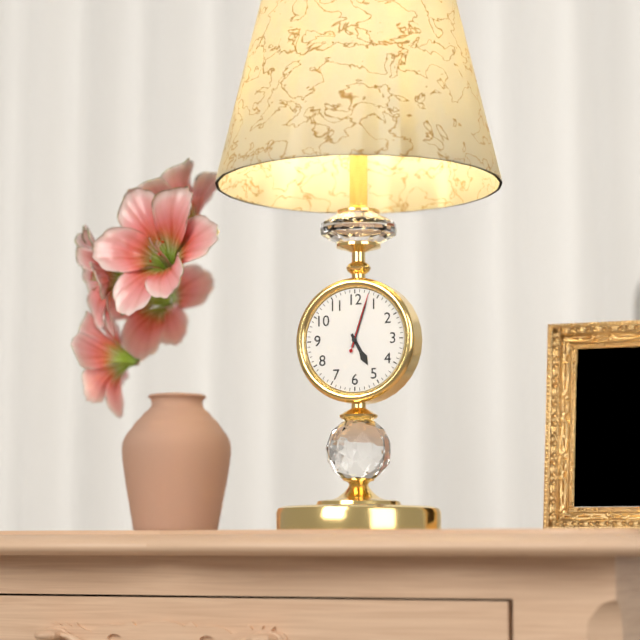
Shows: {"hour": 5, "minute": 3, "second": 3}
